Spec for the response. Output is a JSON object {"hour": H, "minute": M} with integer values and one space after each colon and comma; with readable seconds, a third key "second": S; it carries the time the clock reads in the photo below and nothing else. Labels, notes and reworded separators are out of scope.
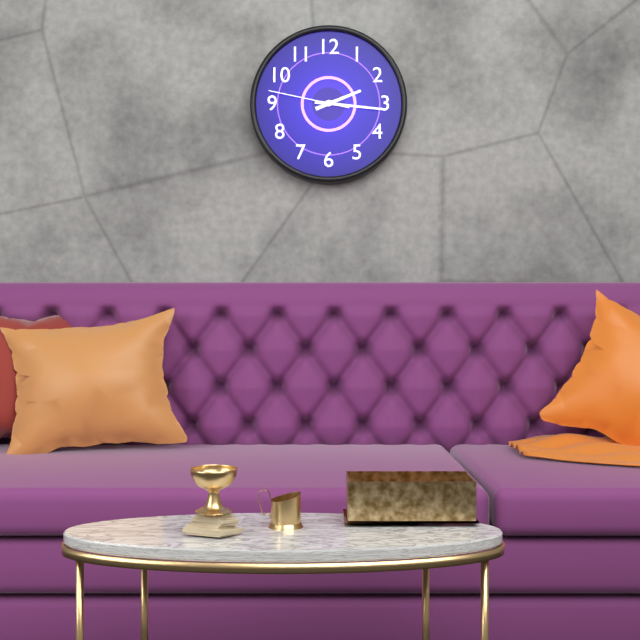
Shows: {"hour": 2, "minute": 16, "second": 47}
